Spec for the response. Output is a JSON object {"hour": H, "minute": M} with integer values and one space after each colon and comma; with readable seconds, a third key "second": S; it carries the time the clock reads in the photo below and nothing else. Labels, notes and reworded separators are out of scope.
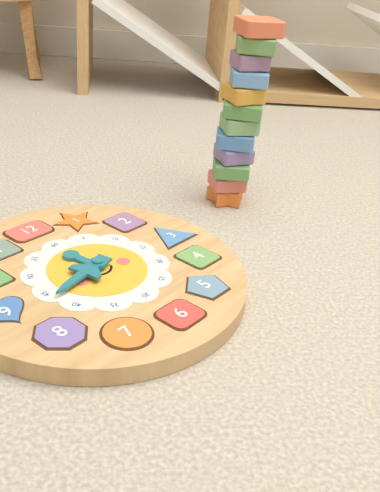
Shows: {"hour": 11, "minute": 43}
